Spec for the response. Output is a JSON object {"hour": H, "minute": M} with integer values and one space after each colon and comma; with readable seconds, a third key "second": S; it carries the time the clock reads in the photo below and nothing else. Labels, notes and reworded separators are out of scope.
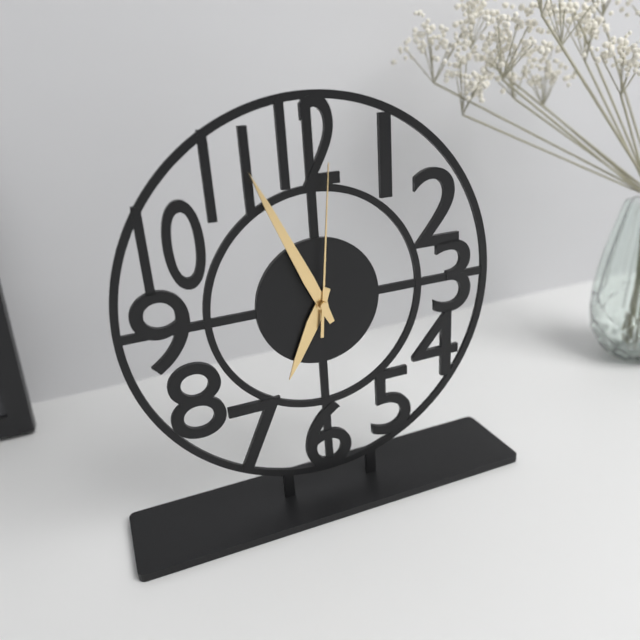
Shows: {"hour": 6, "minute": 56, "second": 1}
